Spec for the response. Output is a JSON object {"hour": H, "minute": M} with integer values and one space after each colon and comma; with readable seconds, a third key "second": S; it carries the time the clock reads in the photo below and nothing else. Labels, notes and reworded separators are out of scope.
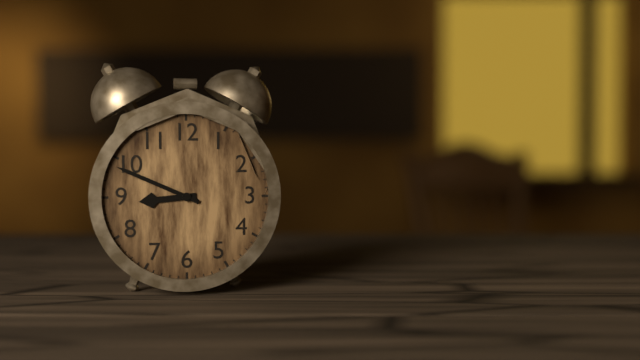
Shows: {"hour": 8, "minute": 49}
